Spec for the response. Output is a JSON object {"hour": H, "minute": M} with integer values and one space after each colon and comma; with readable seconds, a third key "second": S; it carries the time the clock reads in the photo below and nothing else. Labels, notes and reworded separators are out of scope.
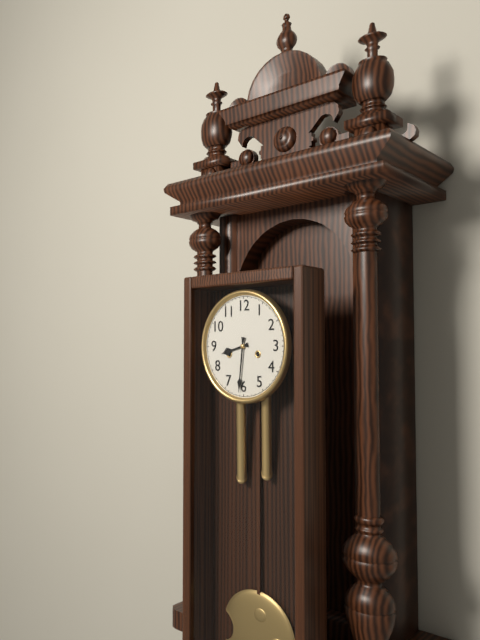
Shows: {"hour": 8, "minute": 31}
